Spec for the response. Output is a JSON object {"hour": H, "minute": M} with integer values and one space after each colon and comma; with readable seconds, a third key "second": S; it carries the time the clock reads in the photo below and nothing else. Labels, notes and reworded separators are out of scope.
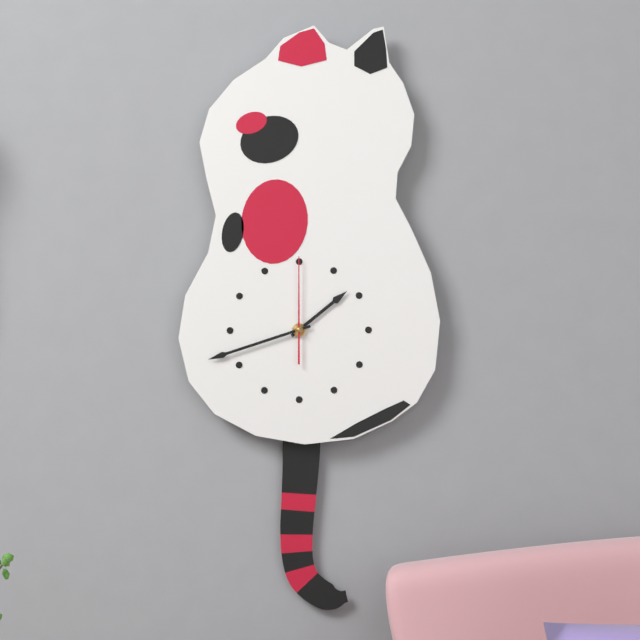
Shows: {"hour": 1, "minute": 42, "second": 0}
